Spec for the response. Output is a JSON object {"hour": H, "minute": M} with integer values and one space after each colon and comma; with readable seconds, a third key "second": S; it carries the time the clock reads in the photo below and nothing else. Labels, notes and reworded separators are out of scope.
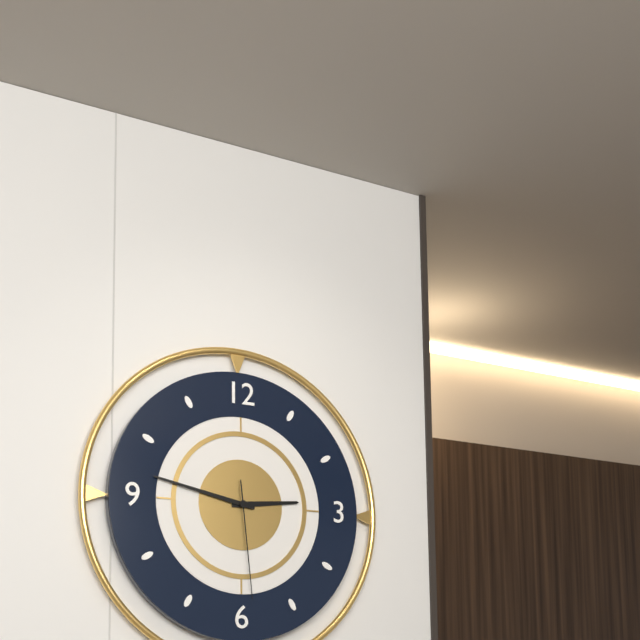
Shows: {"hour": 2, "minute": 47, "second": 29}
